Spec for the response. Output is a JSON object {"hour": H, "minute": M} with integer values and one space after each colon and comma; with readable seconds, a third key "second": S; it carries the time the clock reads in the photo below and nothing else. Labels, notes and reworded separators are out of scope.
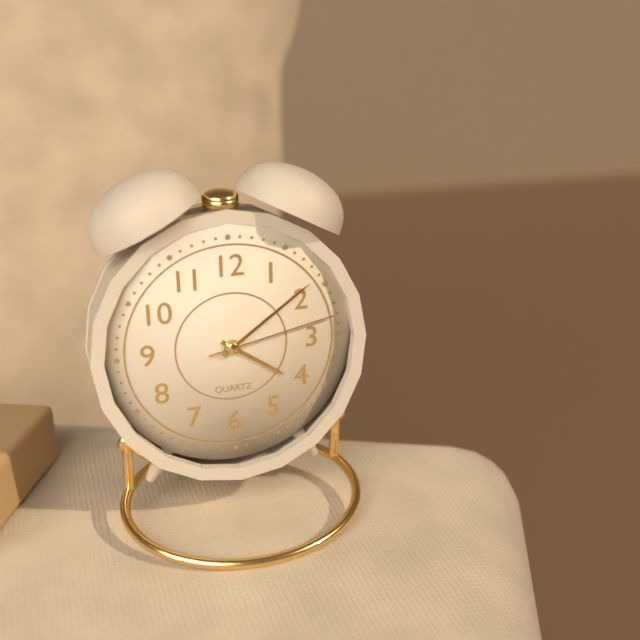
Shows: {"hour": 4, "minute": 9, "second": 13}
